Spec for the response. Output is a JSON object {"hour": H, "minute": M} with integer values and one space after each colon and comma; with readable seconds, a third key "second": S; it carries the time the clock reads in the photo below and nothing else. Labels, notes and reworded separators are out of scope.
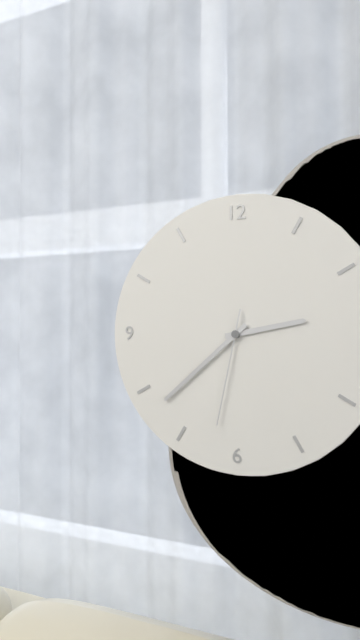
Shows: {"hour": 2, "minute": 38, "second": 32}
